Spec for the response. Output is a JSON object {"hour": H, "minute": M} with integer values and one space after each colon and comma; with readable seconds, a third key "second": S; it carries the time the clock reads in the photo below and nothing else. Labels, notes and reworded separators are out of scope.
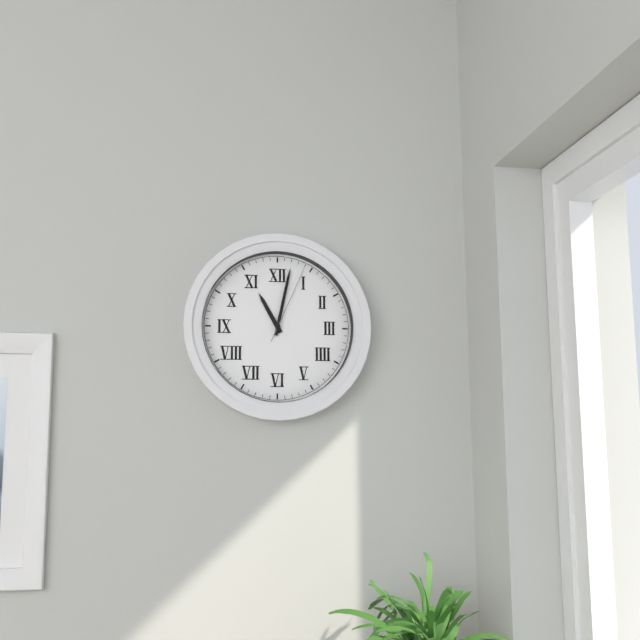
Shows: {"hour": 11, "minute": 2, "second": 4}
